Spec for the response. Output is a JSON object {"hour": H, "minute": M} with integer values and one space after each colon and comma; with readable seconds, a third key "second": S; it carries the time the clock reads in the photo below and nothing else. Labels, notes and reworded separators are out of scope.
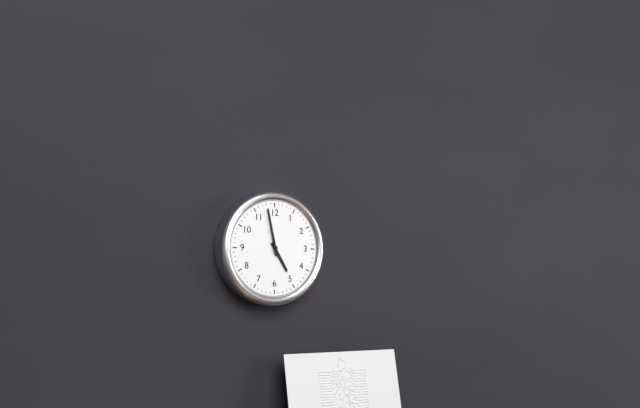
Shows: {"hour": 4, "minute": 58}
